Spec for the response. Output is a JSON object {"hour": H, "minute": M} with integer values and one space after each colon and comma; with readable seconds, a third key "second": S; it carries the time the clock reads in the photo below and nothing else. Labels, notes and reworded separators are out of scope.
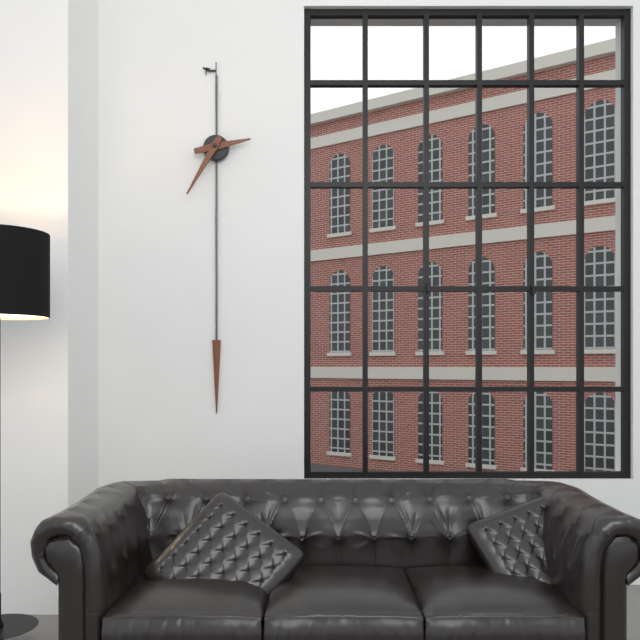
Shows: {"hour": 2, "minute": 35}
